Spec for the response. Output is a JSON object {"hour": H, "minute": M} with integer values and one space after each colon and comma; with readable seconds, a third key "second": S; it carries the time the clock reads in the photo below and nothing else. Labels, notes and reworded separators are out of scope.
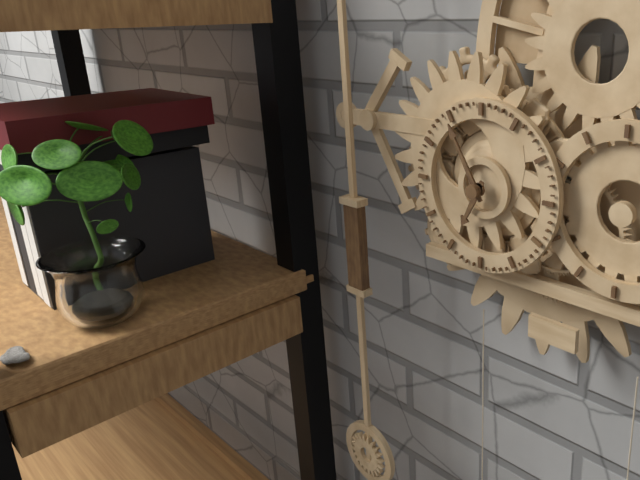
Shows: {"hour": 6, "minute": 55}
